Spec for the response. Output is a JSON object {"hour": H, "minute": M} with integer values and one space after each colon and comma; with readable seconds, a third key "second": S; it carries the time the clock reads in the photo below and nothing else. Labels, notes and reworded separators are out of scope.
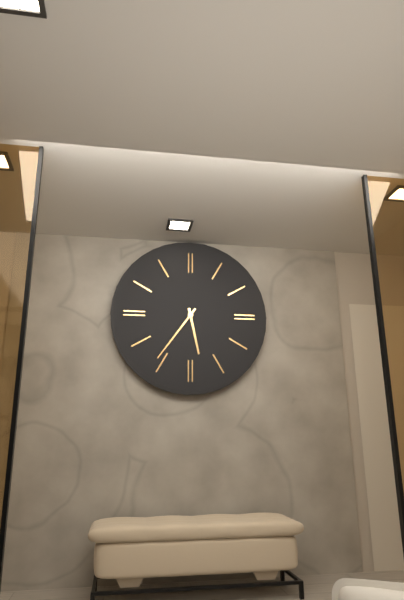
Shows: {"hour": 5, "minute": 36}
